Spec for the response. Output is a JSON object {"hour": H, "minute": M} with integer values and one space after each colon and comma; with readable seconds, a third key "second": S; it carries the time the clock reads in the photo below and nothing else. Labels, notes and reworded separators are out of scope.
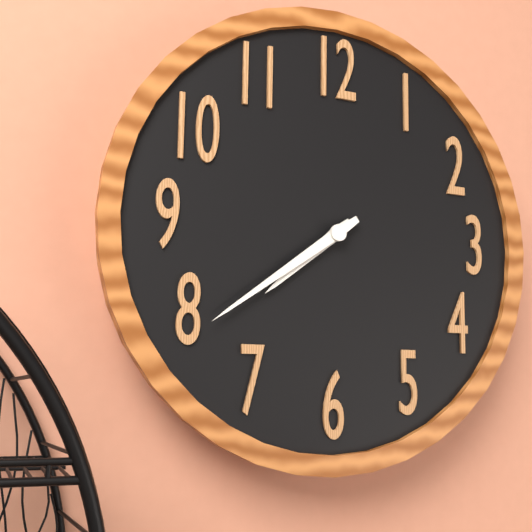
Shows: {"hour": 7, "minute": 39}
